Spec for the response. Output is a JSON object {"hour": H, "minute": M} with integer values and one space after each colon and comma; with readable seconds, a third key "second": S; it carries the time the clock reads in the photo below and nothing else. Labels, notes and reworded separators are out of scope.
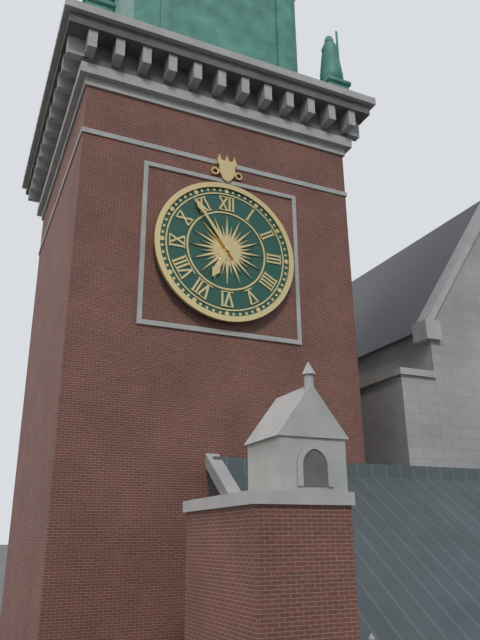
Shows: {"hour": 6, "minute": 54}
